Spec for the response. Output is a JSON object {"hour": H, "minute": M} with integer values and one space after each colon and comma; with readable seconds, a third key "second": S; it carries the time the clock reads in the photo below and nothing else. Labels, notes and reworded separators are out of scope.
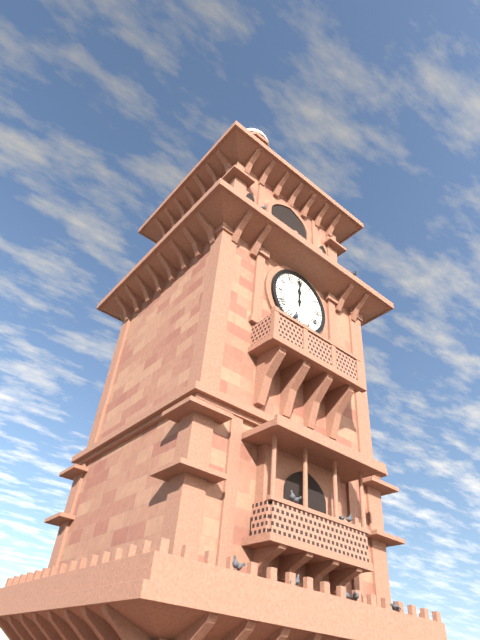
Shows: {"hour": 12, "minute": 0}
